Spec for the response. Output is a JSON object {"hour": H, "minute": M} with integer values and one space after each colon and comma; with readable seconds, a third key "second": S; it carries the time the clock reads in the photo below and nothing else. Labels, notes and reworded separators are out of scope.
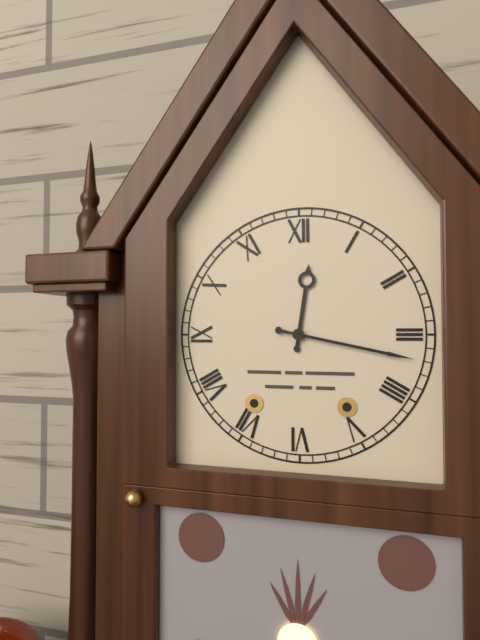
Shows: {"hour": 12, "minute": 17}
